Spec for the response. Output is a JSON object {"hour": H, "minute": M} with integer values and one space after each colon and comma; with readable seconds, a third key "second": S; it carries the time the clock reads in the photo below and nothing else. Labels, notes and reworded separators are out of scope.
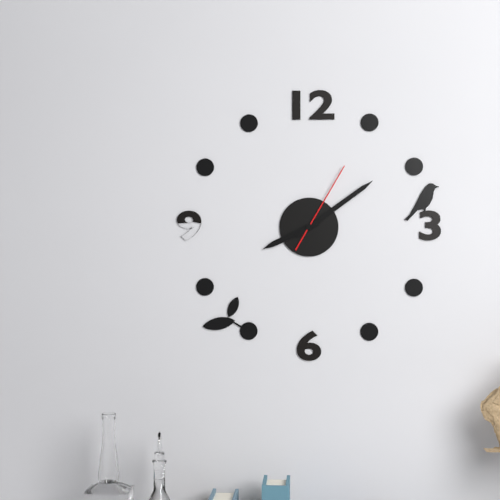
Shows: {"hour": 8, "minute": 9, "second": 5}
